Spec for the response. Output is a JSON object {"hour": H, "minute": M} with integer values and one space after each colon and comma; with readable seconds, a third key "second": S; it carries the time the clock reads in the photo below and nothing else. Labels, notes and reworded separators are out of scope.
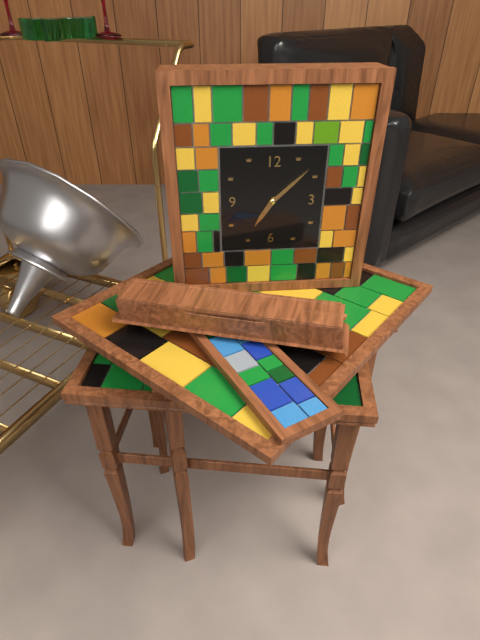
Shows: {"hour": 7, "minute": 8}
